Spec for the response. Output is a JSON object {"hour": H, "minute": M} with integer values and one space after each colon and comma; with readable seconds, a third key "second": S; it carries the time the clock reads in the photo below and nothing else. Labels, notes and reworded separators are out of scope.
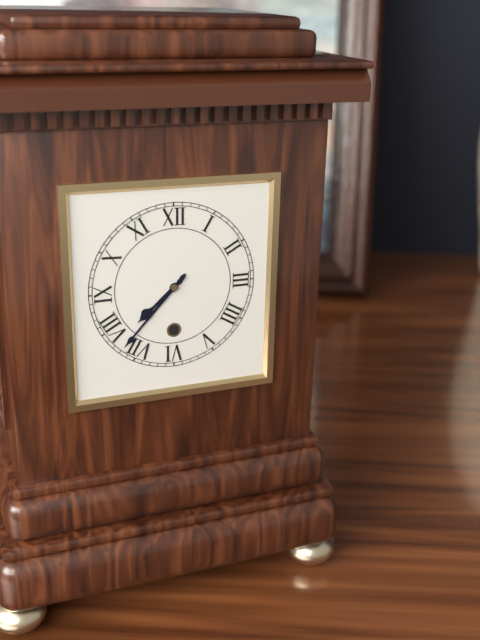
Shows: {"hour": 7, "minute": 37}
